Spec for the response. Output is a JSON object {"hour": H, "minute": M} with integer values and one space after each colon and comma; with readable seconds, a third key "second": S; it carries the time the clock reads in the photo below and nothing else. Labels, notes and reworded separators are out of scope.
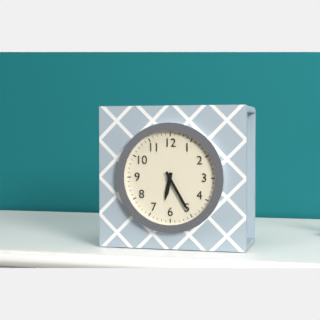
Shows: {"hour": 6, "minute": 25}
